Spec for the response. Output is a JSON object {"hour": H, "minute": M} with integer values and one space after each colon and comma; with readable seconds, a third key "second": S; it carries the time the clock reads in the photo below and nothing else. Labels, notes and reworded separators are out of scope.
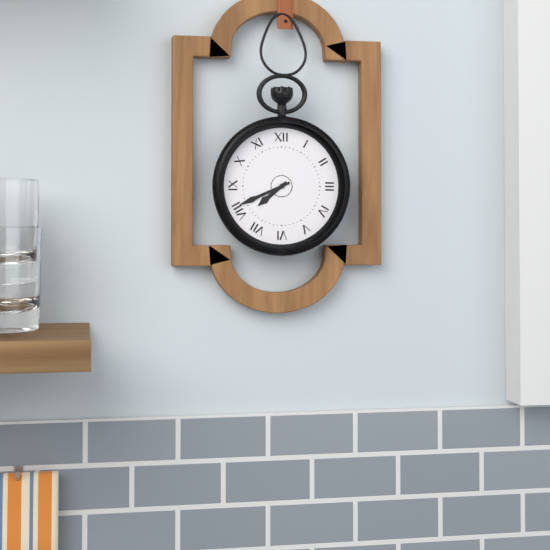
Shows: {"hour": 7, "minute": 41}
